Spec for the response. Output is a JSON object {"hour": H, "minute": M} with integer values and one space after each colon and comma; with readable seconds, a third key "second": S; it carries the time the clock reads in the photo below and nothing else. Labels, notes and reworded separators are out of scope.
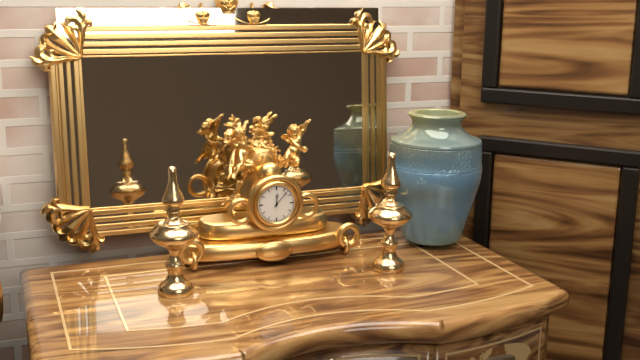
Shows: {"hour": 12, "minute": 7}
